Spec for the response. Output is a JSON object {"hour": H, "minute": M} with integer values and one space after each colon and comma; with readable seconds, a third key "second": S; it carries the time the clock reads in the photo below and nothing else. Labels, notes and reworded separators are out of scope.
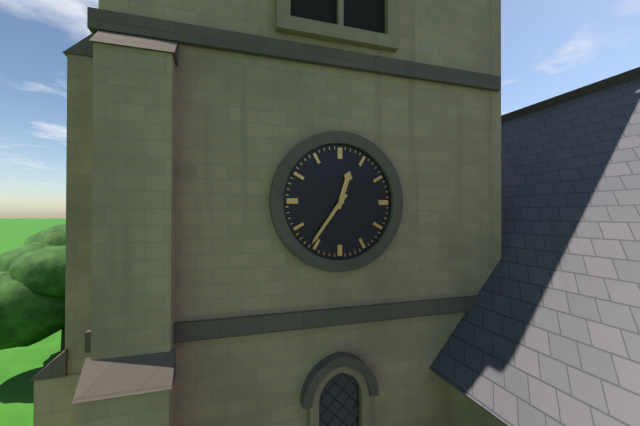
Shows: {"hour": 12, "minute": 36}
